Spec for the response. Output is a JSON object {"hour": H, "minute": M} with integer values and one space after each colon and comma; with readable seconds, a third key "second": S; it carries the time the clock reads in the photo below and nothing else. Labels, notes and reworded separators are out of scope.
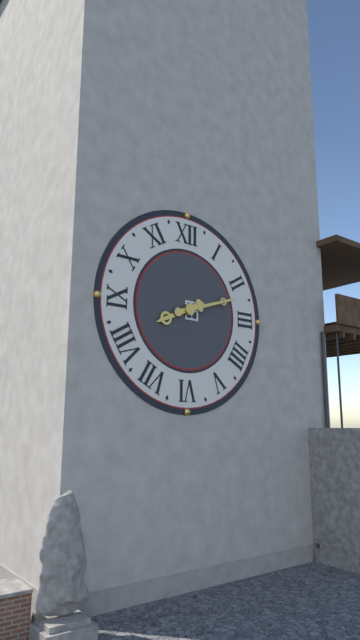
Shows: {"hour": 8, "minute": 12}
